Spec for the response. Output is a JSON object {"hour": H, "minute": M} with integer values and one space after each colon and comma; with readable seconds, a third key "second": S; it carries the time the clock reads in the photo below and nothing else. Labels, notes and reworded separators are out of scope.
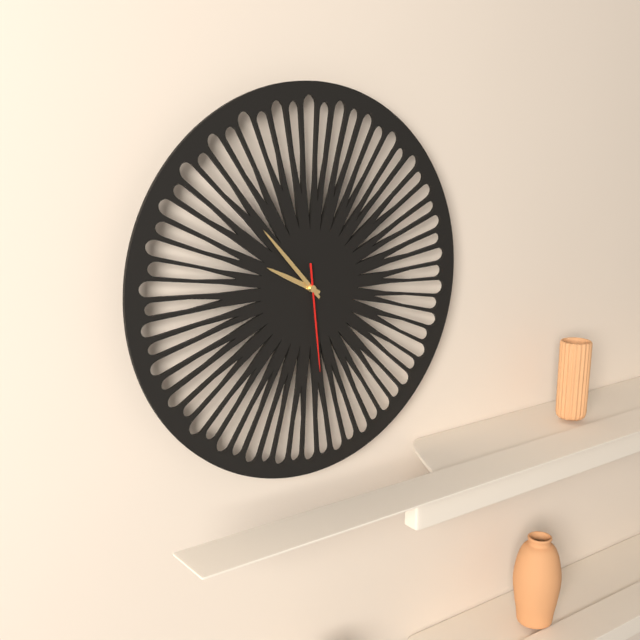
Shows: {"hour": 9, "minute": 53, "second": 29}
